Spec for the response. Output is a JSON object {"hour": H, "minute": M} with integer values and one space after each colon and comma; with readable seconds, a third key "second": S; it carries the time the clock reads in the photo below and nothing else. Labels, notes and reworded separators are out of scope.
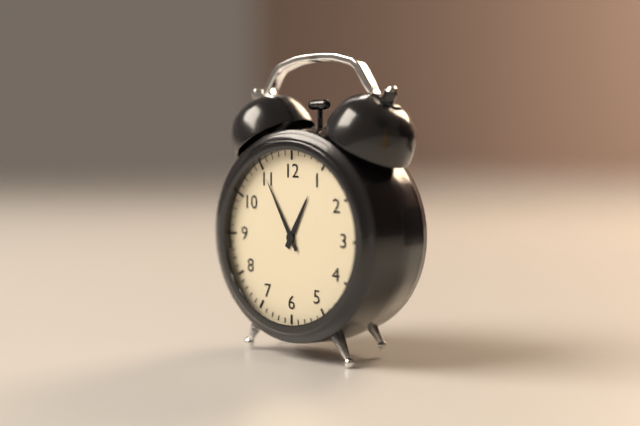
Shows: {"hour": 12, "minute": 55}
